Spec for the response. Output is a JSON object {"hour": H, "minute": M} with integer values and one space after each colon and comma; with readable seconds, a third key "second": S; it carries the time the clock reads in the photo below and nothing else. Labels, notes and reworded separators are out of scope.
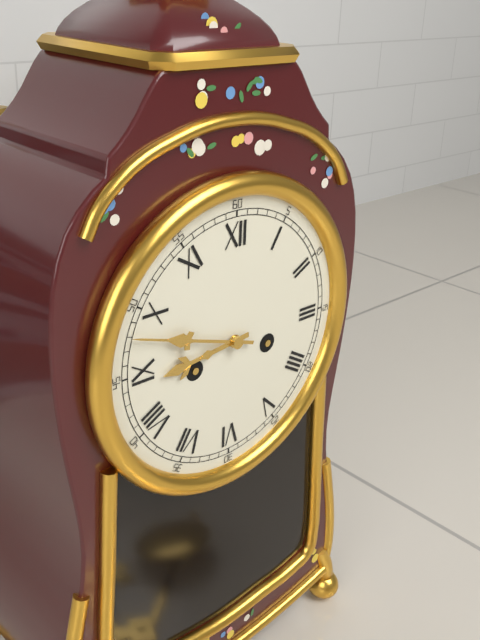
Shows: {"hour": 8, "minute": 48}
